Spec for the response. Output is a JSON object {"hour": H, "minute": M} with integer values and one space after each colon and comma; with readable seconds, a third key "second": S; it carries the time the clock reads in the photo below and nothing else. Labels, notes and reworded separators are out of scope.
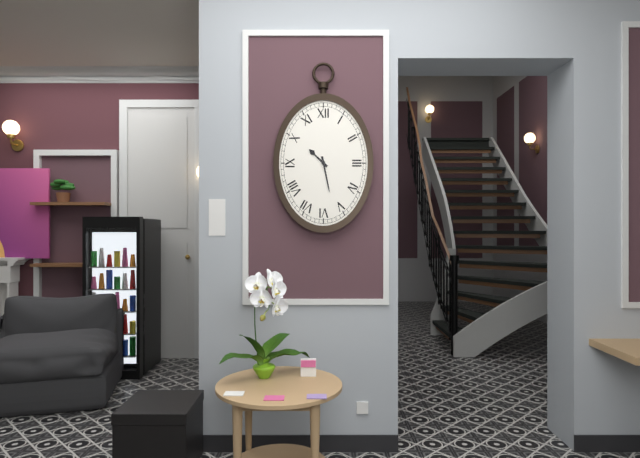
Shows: {"hour": 10, "minute": 28}
